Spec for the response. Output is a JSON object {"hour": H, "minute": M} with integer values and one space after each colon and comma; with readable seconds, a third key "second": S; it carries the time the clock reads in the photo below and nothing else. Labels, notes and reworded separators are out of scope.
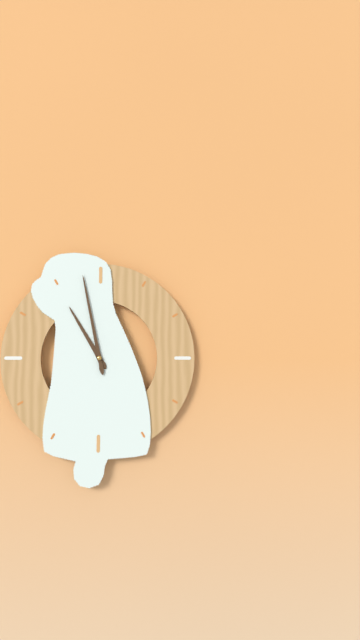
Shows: {"hour": 10, "minute": 58}
